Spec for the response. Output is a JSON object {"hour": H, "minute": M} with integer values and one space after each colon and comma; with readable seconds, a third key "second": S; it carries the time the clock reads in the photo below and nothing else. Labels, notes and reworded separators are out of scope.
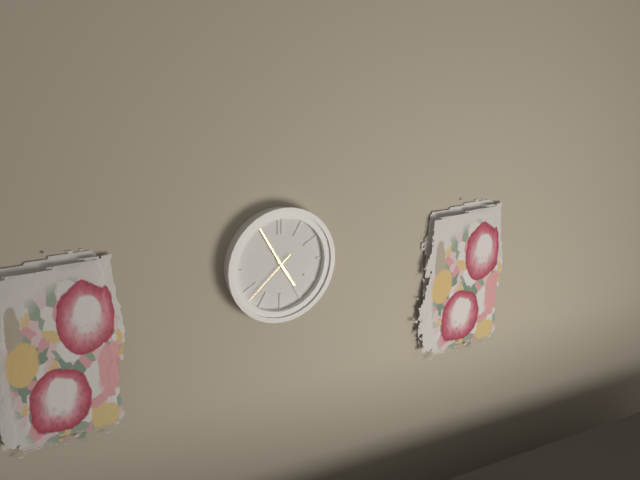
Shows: {"hour": 4, "minute": 55, "second": 38}
